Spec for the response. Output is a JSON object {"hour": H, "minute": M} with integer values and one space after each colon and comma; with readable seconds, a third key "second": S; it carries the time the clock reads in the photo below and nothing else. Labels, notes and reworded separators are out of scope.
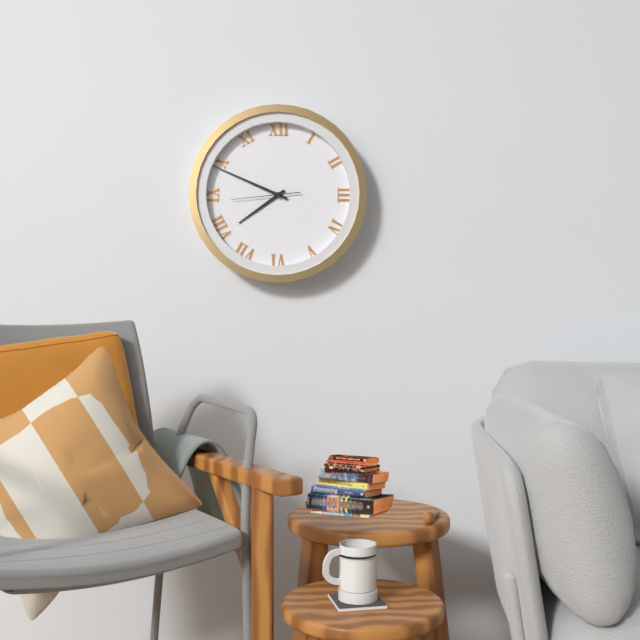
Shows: {"hour": 7, "minute": 49, "second": 44}
